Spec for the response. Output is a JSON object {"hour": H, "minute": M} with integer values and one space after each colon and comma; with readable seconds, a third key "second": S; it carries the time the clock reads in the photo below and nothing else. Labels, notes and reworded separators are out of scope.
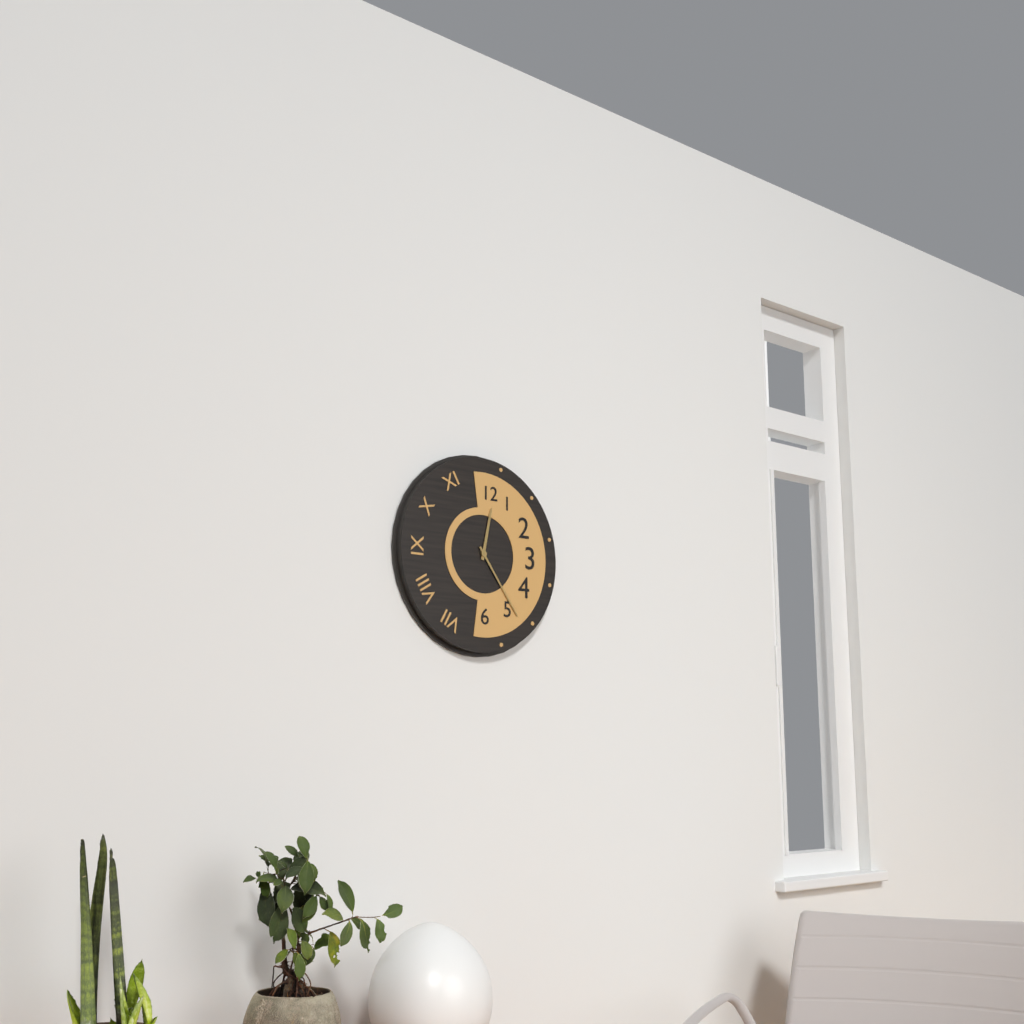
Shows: {"hour": 12, "minute": 24}
